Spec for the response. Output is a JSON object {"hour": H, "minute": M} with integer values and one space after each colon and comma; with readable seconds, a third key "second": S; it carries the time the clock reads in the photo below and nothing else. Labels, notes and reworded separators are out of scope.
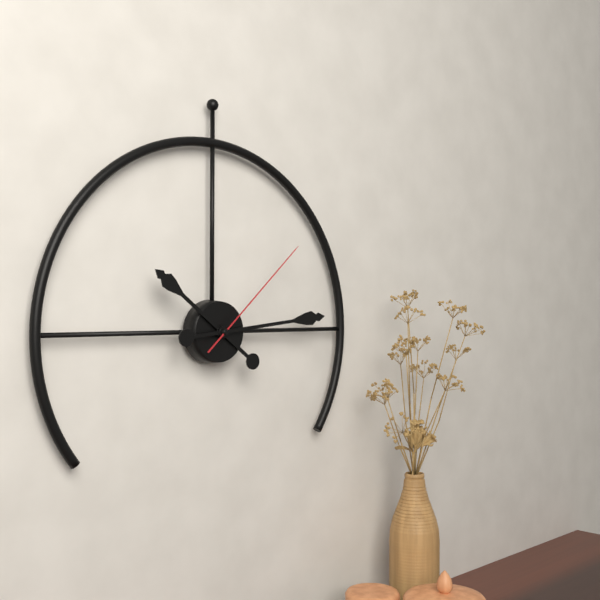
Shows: {"hour": 10, "minute": 14, "second": 8}
